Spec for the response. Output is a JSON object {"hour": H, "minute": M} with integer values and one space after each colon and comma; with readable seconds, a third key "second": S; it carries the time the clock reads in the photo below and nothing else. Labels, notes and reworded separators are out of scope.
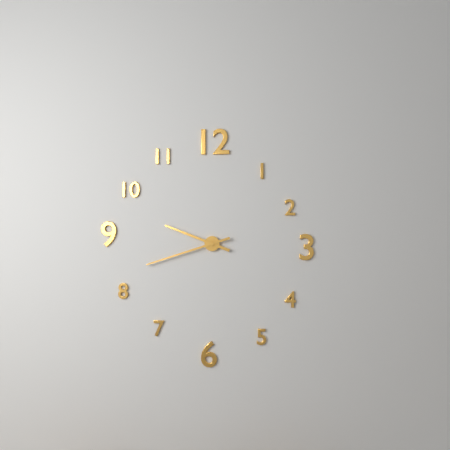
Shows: {"hour": 9, "minute": 42}
